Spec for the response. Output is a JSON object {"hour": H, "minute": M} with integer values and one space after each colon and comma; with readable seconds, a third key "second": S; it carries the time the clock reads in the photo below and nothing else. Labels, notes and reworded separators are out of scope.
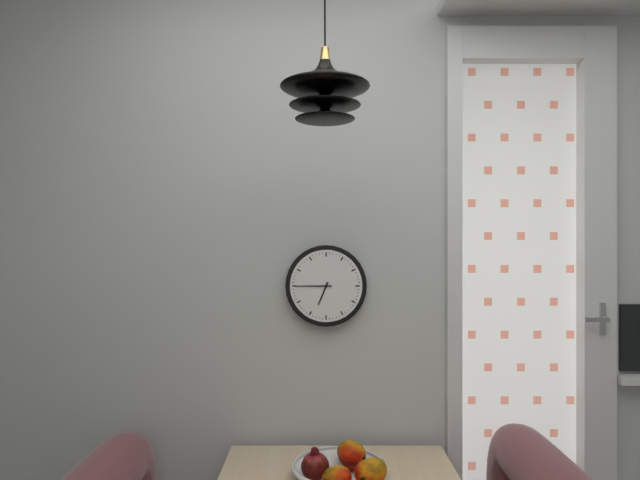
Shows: {"hour": 6, "minute": 45}
